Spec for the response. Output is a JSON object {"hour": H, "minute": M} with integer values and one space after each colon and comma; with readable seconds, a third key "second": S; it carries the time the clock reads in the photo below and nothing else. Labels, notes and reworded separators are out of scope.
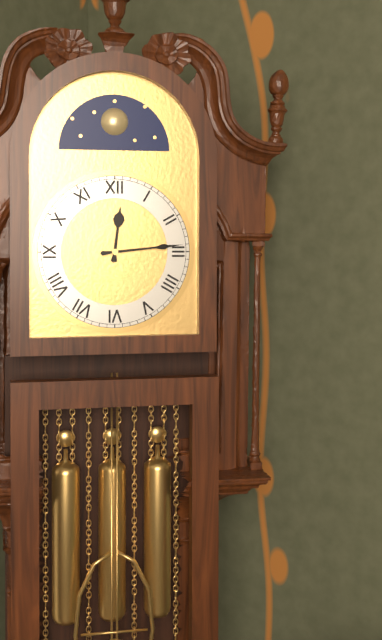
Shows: {"hour": 12, "minute": 14}
